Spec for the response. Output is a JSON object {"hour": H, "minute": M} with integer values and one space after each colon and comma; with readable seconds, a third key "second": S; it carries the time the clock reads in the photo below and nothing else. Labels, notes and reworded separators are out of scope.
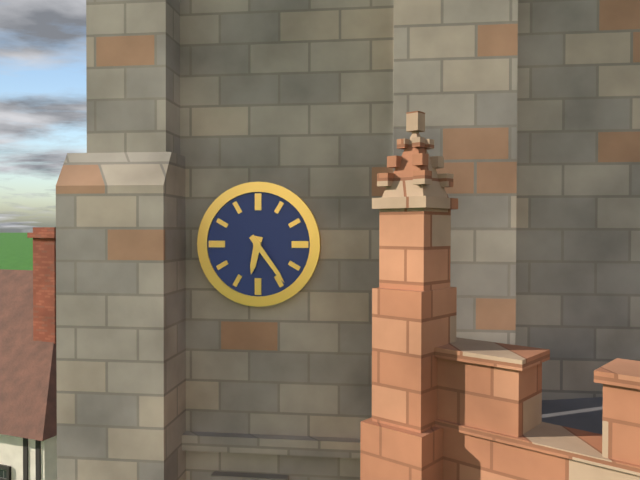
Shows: {"hour": 6, "minute": 24}
